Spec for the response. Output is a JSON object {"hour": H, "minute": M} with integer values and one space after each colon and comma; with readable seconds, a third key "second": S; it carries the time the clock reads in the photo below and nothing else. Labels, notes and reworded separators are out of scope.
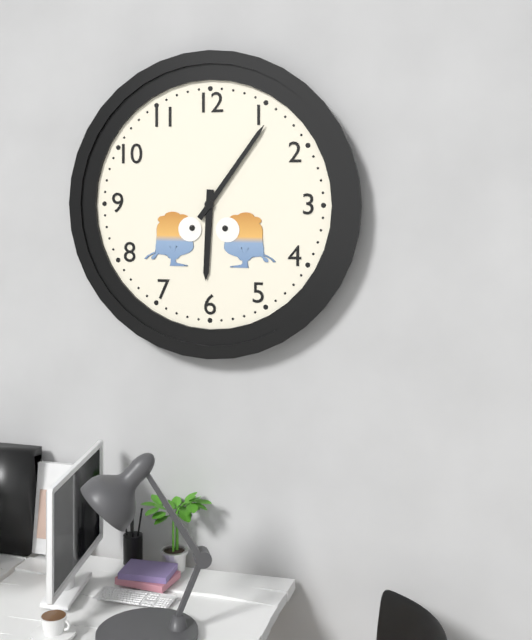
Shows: {"hour": 6, "minute": 6}
